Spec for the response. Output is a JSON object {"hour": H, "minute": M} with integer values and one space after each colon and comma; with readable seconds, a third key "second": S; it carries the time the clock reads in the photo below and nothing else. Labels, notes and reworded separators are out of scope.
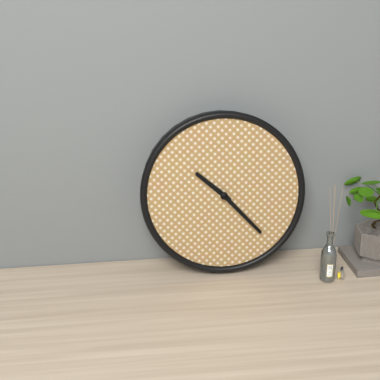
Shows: {"hour": 10, "minute": 23}
